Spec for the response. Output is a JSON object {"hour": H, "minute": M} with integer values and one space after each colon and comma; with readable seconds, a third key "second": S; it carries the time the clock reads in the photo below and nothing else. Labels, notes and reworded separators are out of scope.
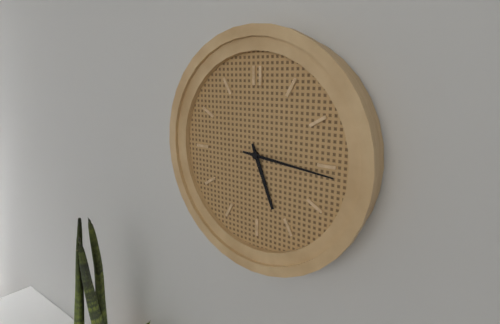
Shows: {"hour": 5, "minute": 16}
